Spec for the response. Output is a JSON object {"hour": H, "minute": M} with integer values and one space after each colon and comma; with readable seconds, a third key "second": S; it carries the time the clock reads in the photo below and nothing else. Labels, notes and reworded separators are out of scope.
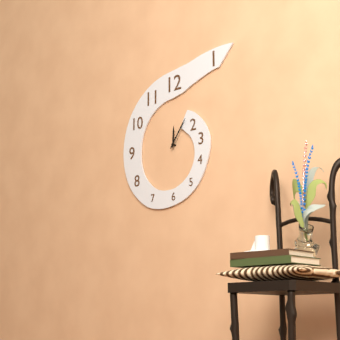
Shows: {"hour": 12, "minute": 6}
